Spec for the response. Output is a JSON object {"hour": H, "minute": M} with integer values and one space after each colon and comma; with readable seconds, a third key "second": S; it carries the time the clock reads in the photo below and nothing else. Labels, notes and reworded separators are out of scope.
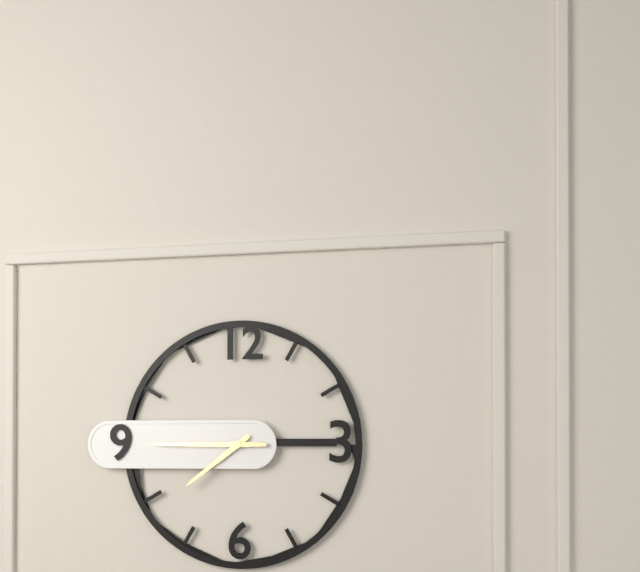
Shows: {"hour": 7, "minute": 45}
